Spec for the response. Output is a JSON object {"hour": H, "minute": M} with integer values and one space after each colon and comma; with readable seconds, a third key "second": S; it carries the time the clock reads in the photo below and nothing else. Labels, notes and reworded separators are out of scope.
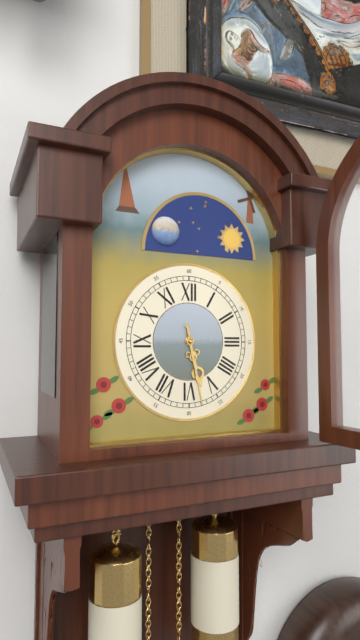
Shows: {"hour": 5, "minute": 28}
